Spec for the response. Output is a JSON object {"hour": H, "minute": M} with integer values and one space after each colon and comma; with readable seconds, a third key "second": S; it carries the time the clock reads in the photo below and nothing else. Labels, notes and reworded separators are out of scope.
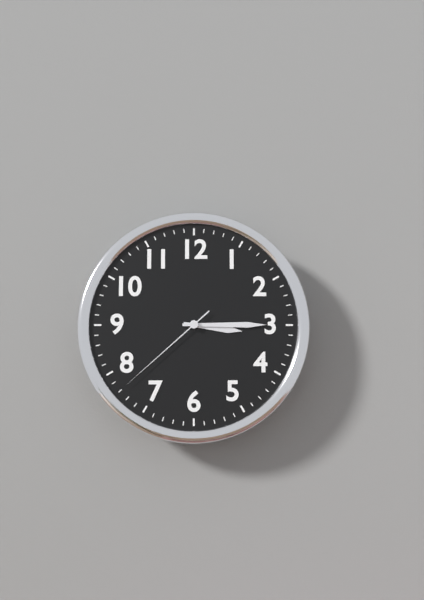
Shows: {"hour": 3, "minute": 15, "second": 38}
